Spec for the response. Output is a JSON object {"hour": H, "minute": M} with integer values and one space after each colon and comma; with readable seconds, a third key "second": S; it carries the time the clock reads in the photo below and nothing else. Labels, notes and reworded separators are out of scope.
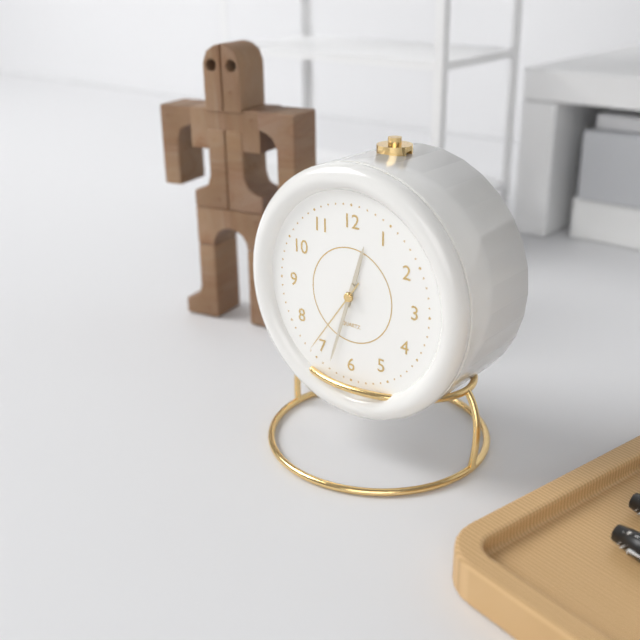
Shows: {"hour": 12, "minute": 33, "second": 36}
